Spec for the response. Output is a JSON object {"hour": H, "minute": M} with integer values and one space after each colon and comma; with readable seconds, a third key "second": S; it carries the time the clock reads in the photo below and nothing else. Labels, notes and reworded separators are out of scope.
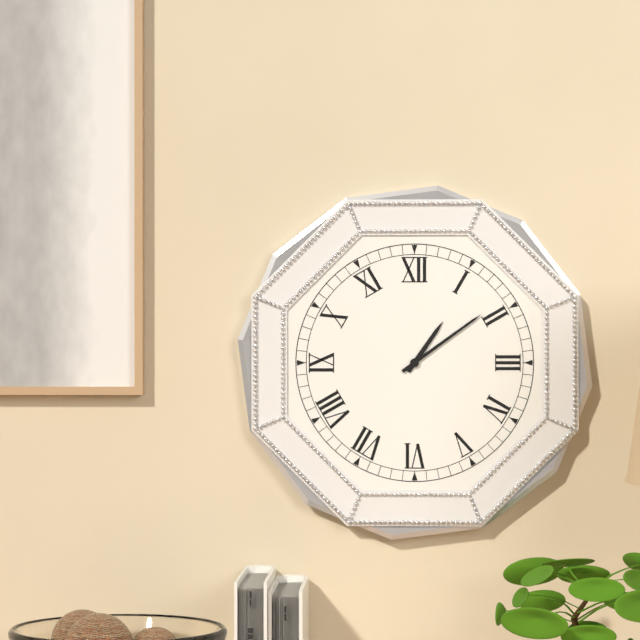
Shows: {"hour": 1, "minute": 9}
